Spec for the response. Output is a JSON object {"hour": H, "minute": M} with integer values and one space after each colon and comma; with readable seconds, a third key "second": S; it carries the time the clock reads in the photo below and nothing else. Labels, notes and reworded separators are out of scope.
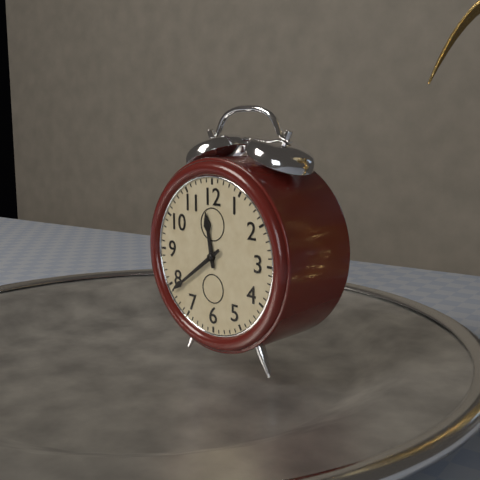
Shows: {"hour": 11, "minute": 39}
